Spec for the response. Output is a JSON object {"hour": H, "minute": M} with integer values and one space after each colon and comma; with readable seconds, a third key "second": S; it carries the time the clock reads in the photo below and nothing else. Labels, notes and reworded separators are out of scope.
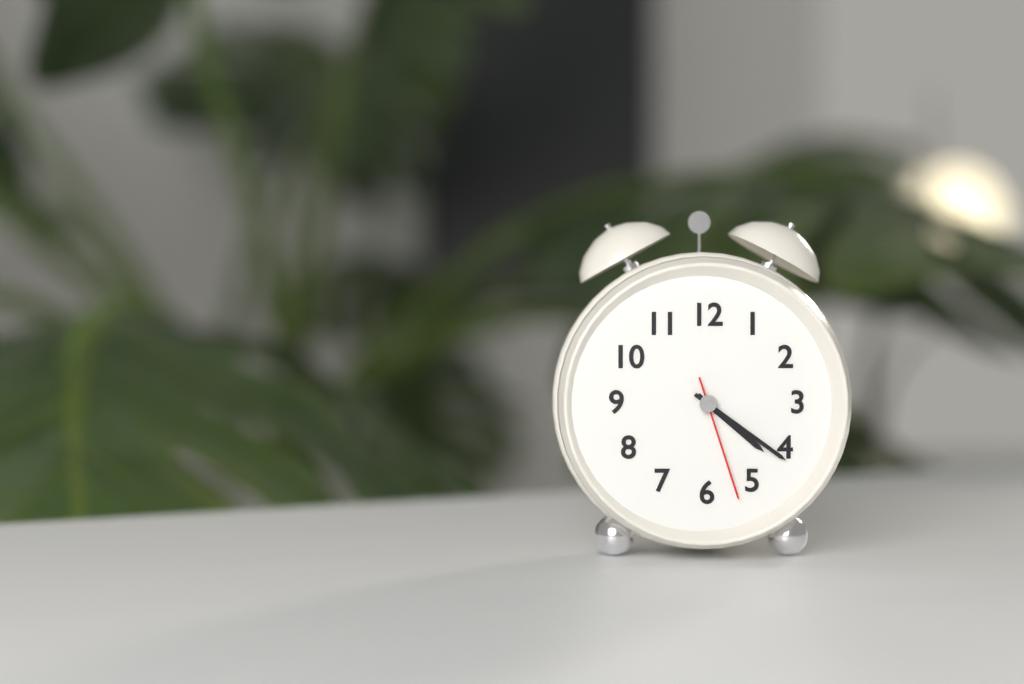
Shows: {"hour": 4, "minute": 21, "second": 27}
